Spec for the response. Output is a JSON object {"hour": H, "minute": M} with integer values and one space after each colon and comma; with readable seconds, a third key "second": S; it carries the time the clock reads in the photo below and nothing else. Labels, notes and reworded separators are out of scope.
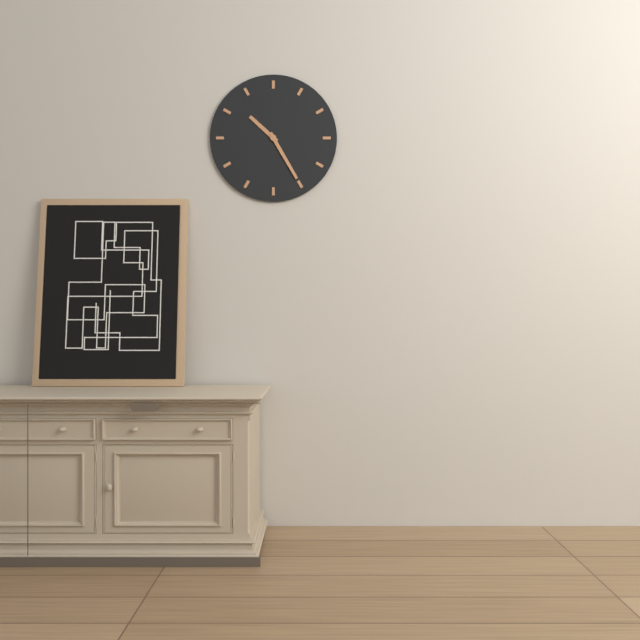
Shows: {"hour": 10, "minute": 25}
